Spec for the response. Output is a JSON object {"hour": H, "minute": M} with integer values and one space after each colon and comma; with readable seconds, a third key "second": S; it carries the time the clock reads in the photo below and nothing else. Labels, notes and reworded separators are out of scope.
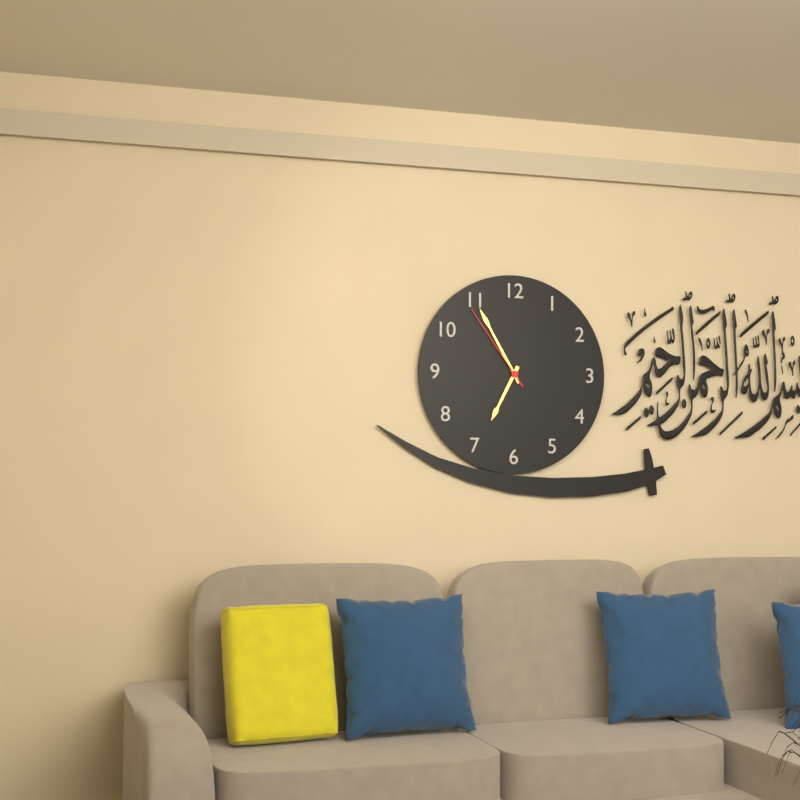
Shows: {"hour": 6, "minute": 55, "second": 54}
